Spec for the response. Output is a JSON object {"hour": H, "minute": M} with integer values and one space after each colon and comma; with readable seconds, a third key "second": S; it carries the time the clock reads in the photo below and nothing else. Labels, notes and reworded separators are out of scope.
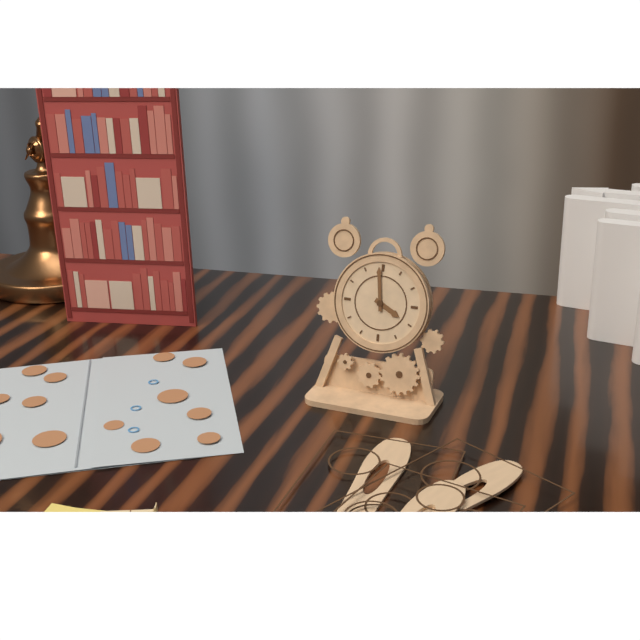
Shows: {"hour": 3, "minute": 59}
